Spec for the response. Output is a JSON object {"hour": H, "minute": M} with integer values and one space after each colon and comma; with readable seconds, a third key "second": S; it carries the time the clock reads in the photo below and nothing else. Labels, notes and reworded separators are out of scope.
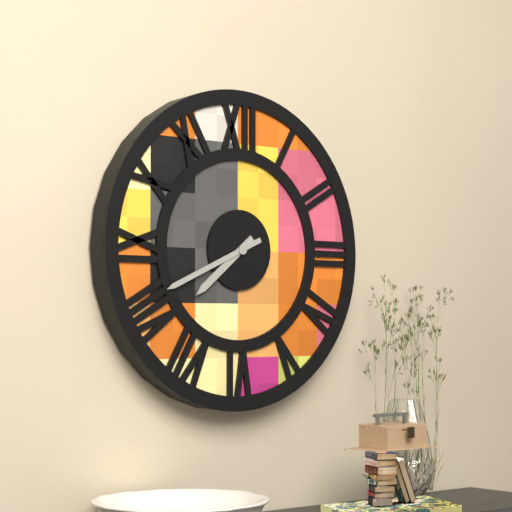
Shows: {"hour": 7, "minute": 41}
